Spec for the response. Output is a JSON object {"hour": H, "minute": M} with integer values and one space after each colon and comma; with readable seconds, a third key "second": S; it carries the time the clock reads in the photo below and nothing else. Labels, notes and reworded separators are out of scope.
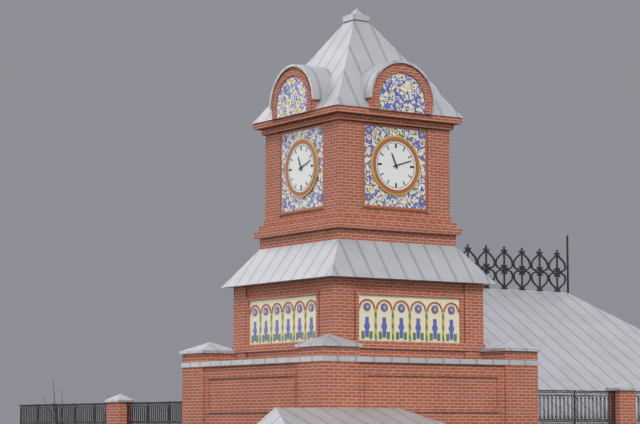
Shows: {"hour": 11, "minute": 12}
